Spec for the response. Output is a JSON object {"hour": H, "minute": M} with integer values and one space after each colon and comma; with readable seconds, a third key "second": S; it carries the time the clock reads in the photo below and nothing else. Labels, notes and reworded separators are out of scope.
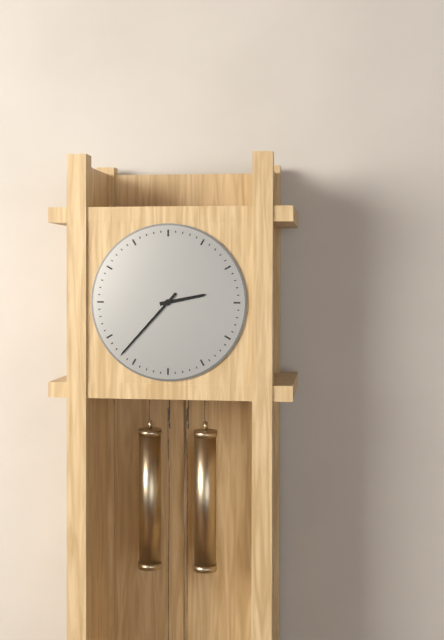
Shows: {"hour": 2, "minute": 37}
